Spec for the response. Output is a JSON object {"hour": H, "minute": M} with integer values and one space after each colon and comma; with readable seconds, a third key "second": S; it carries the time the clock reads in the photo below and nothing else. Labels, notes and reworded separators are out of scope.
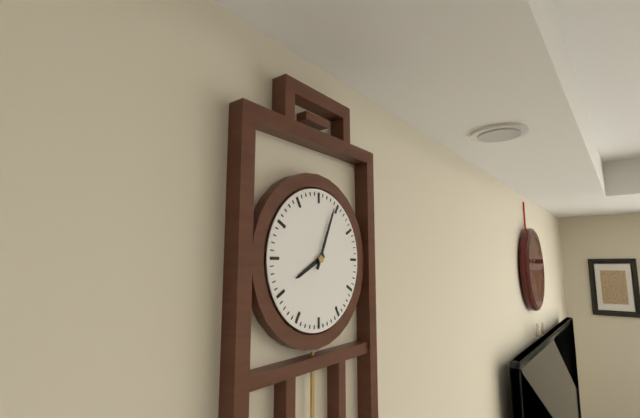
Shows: {"hour": 8, "minute": 4}
